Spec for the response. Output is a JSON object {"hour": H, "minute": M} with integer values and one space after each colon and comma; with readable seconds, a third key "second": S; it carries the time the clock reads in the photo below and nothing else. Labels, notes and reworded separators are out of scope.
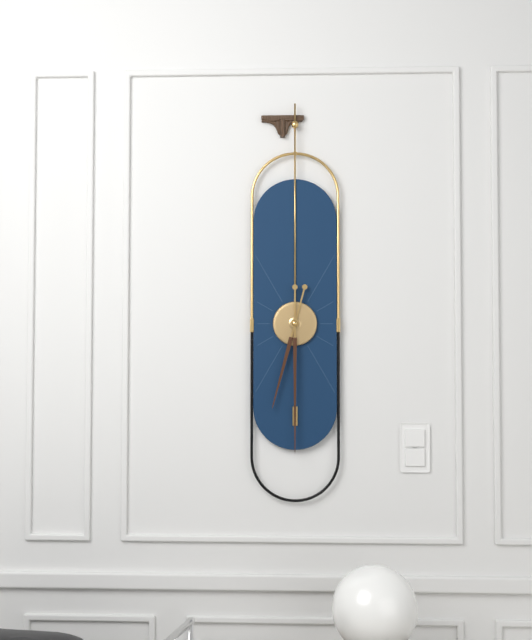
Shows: {"hour": 6, "minute": 30}
